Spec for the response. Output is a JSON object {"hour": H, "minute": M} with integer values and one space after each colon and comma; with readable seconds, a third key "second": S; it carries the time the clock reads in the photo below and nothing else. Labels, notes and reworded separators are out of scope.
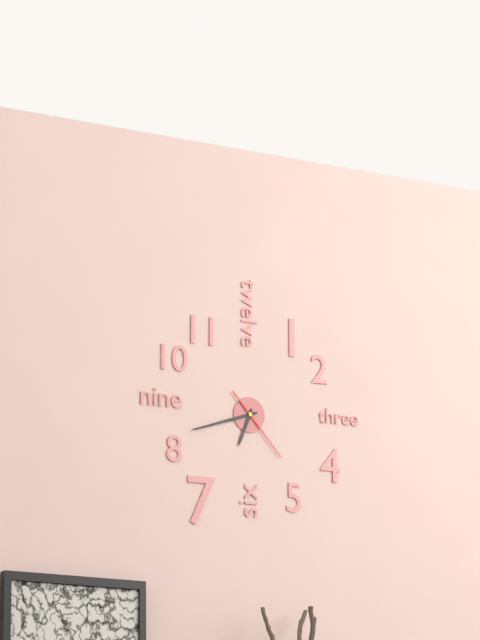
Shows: {"hour": 6, "minute": 42, "second": 23}
